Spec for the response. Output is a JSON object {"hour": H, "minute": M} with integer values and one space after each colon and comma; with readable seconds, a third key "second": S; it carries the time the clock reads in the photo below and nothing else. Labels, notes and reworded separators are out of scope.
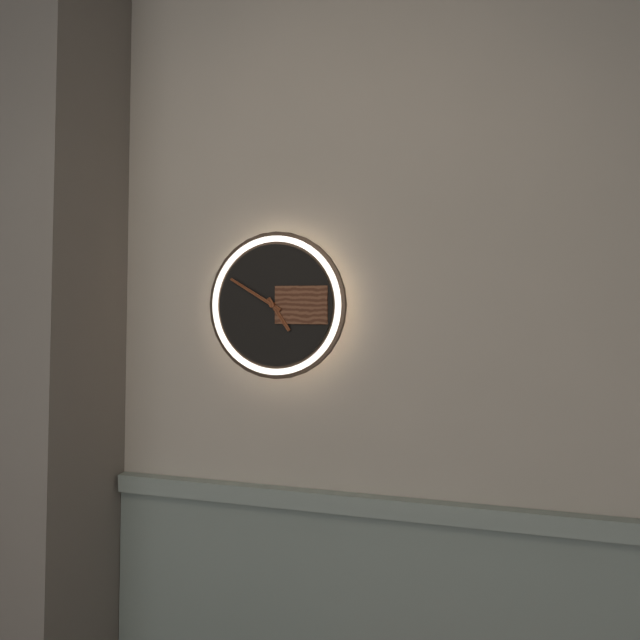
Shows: {"hour": 4, "minute": 50}
